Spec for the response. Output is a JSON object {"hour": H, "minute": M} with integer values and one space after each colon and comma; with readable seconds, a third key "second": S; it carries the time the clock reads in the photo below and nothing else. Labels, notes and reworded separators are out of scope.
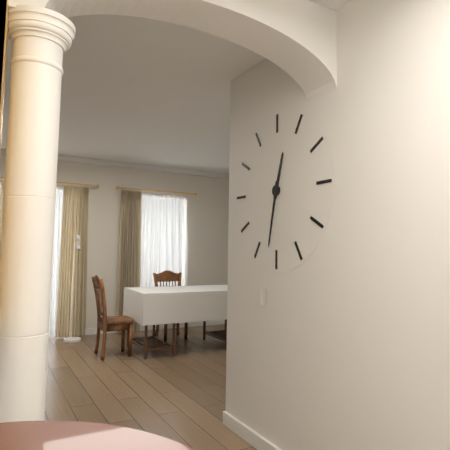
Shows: {"hour": 12, "minute": 32}
